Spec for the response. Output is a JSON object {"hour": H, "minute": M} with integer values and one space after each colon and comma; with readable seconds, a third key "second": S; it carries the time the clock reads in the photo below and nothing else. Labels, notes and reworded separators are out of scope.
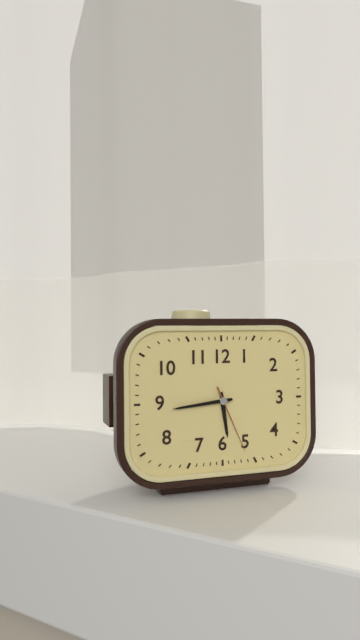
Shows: {"hour": 5, "minute": 44, "second": 26}
